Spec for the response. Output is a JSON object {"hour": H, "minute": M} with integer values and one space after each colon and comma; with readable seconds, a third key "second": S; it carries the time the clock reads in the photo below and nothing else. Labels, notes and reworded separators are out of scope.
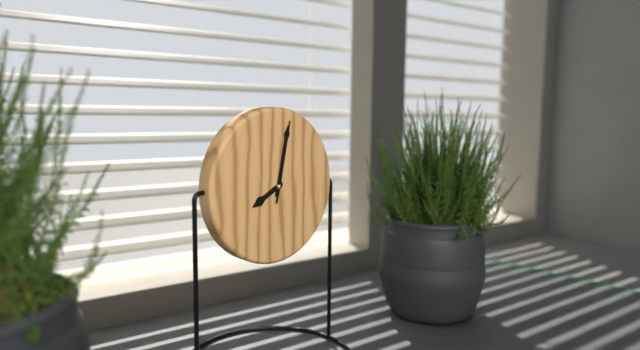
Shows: {"hour": 8, "minute": 2, "second": 2}
